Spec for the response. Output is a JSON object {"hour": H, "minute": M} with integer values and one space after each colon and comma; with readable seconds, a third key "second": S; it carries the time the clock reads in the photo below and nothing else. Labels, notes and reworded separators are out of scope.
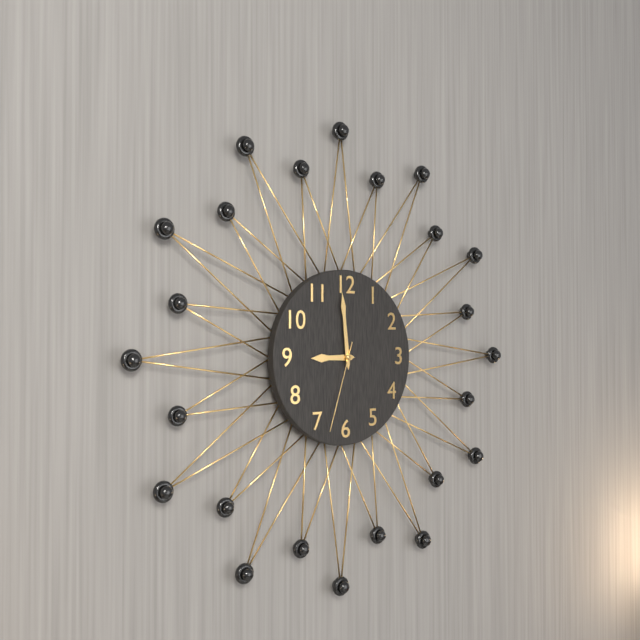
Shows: {"hour": 8, "minute": 59, "second": 33}
